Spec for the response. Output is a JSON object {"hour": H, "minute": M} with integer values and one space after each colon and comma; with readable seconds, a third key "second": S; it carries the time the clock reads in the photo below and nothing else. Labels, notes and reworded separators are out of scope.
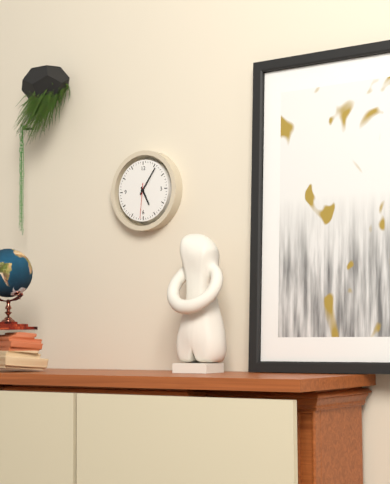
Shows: {"hour": 5, "minute": 6}
